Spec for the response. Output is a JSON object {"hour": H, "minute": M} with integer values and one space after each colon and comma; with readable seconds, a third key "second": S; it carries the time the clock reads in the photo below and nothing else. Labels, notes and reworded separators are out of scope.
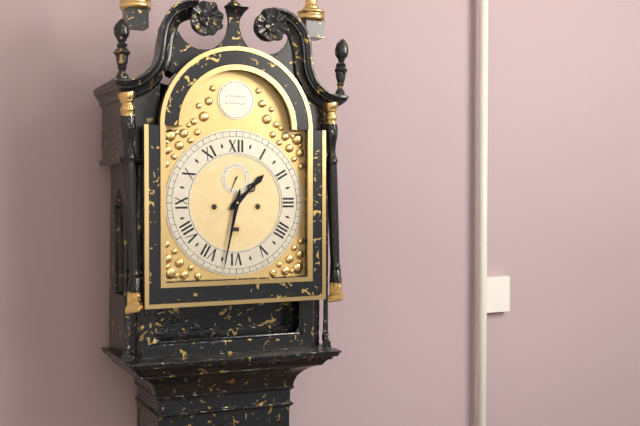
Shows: {"hour": 1, "minute": 32}
